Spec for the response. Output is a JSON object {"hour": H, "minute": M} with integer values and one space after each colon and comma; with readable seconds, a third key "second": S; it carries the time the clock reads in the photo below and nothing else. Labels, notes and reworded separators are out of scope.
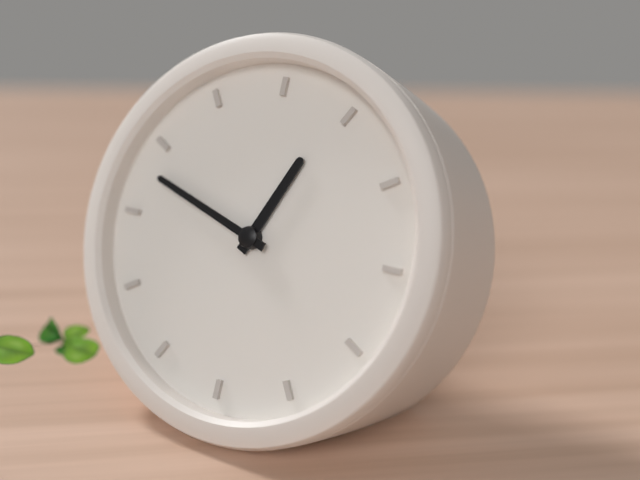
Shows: {"hour": 12, "minute": 48}
